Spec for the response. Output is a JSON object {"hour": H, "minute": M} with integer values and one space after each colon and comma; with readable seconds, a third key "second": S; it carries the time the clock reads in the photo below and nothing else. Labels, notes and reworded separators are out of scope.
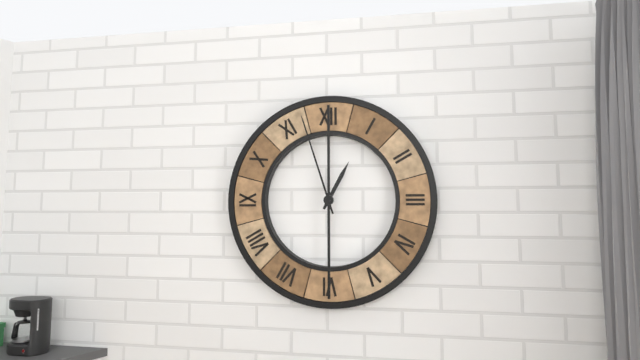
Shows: {"hour": 12, "minute": 57}
